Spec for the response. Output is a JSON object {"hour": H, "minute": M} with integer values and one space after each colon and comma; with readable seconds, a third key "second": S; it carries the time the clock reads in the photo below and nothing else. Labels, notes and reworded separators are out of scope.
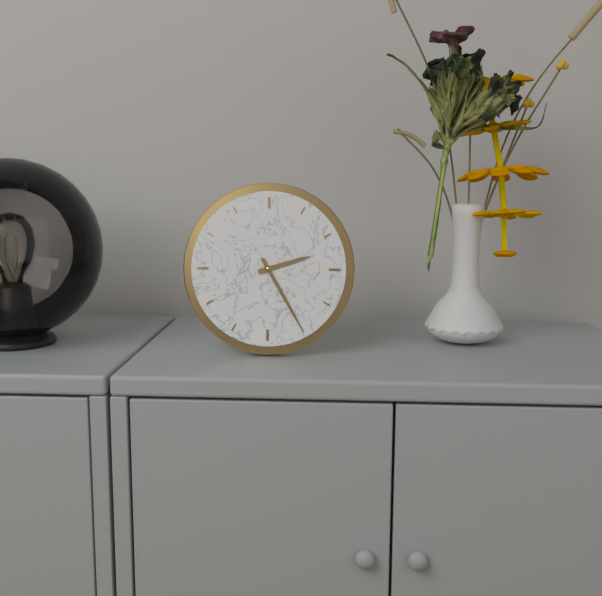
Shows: {"hour": 2, "minute": 25}
